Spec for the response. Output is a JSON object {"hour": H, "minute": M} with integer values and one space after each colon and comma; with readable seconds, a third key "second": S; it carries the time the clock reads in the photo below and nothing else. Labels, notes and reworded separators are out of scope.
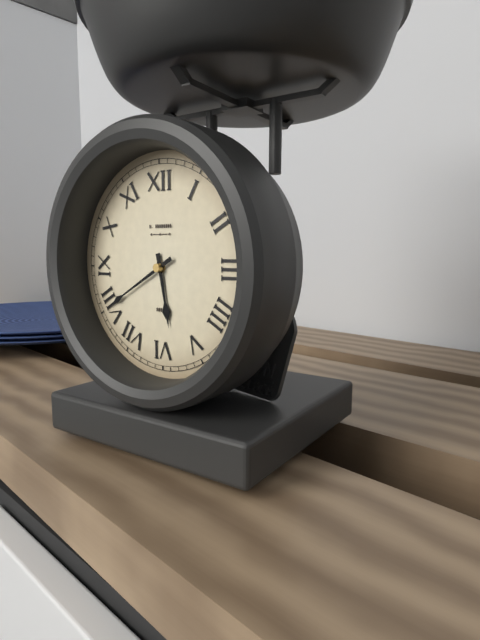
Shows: {"hour": 5, "minute": 40}
